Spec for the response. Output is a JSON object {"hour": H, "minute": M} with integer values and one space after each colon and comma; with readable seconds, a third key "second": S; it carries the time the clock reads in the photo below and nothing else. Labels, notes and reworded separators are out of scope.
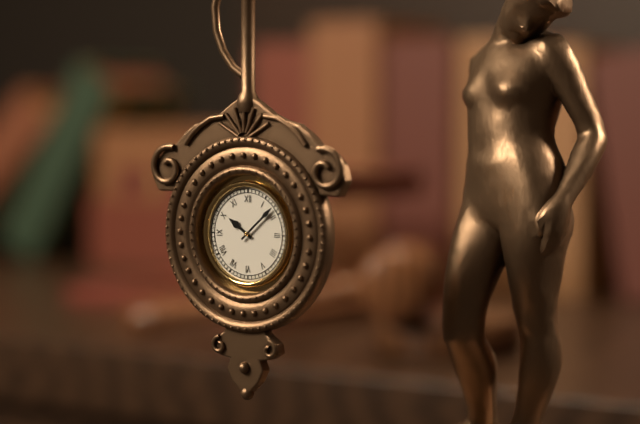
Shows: {"hour": 10, "minute": 8}
